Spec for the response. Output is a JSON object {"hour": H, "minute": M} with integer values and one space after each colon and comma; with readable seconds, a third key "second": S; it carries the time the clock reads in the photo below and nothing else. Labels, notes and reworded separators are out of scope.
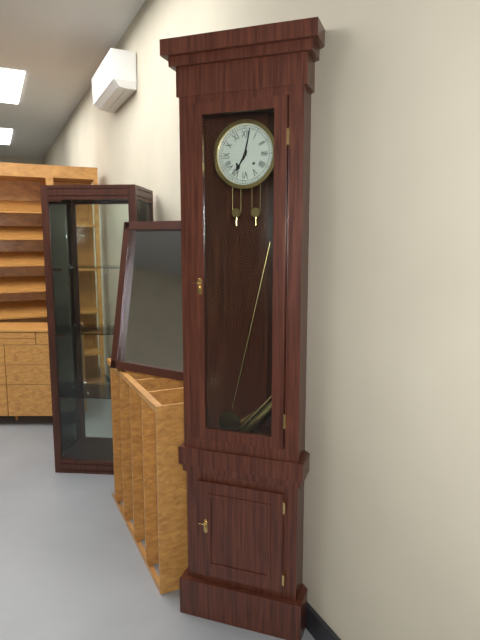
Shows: {"hour": 7, "minute": 2}
